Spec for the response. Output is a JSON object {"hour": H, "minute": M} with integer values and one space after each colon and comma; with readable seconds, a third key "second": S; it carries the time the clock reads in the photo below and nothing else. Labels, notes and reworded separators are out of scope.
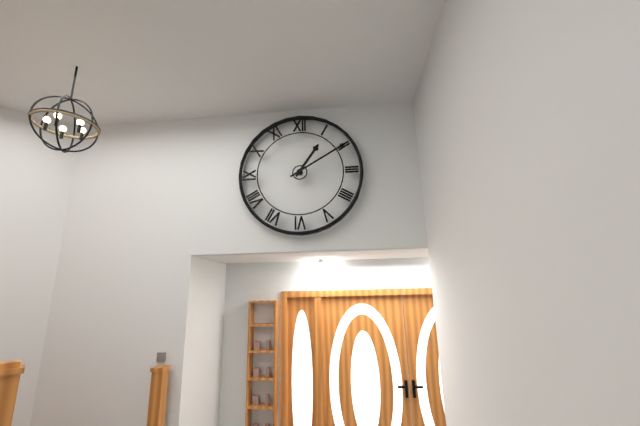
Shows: {"hour": 1, "minute": 10}
